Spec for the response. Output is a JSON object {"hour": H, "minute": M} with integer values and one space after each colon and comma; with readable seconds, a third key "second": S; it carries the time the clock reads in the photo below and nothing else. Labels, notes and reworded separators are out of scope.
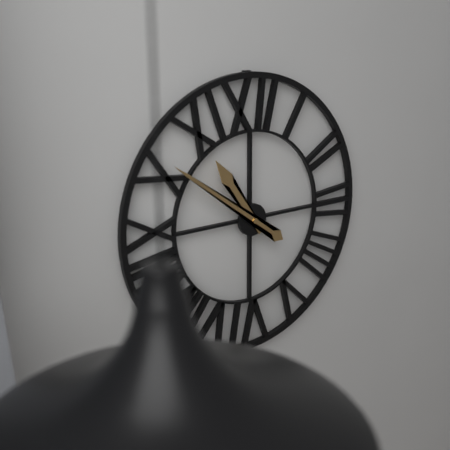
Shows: {"hour": 10, "minute": 51}
